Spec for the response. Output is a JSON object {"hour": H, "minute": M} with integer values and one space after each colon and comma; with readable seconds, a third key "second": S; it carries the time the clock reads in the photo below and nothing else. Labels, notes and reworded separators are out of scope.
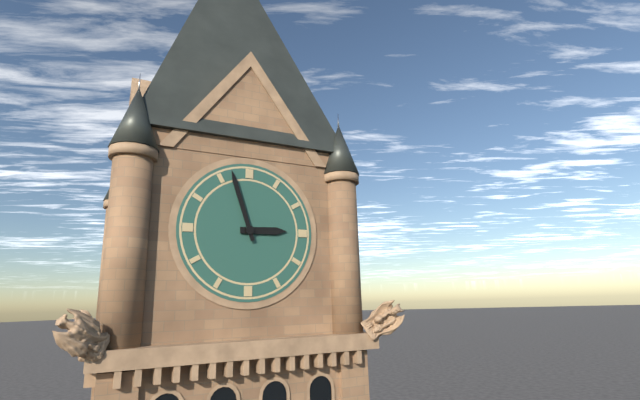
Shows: {"hour": 2, "minute": 57}
